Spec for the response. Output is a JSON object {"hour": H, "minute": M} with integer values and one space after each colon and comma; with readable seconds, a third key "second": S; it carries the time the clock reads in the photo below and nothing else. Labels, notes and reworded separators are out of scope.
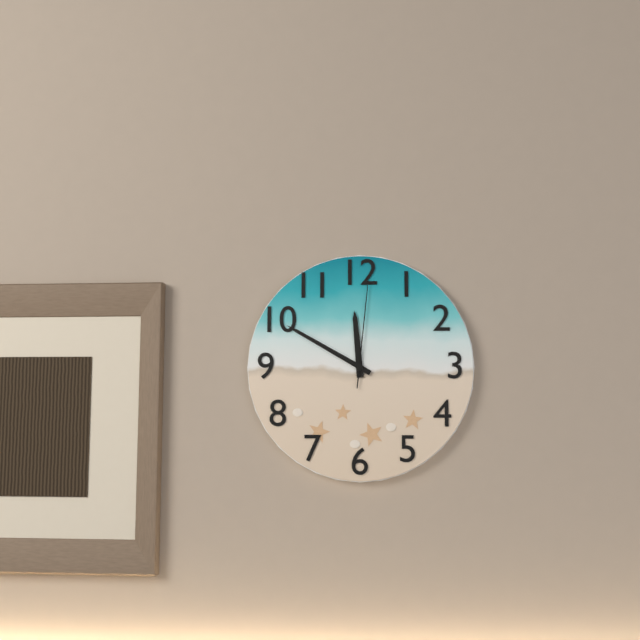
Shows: {"hour": 11, "minute": 50, "second": 1}
